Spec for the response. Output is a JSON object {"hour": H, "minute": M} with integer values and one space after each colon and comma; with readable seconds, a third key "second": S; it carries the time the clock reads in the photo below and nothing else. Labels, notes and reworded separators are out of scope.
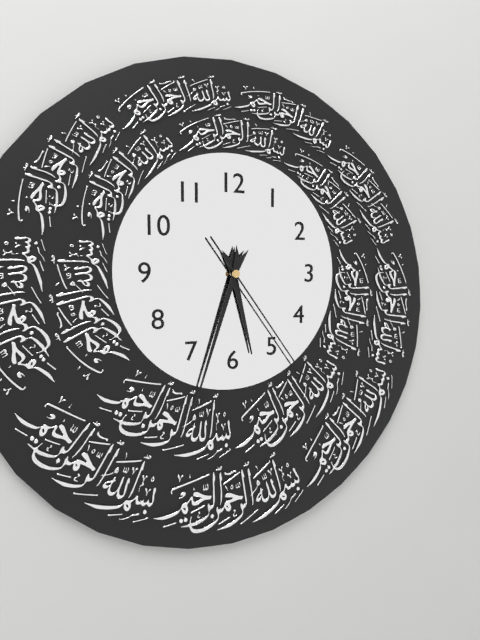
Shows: {"hour": 5, "minute": 33, "second": 24}
